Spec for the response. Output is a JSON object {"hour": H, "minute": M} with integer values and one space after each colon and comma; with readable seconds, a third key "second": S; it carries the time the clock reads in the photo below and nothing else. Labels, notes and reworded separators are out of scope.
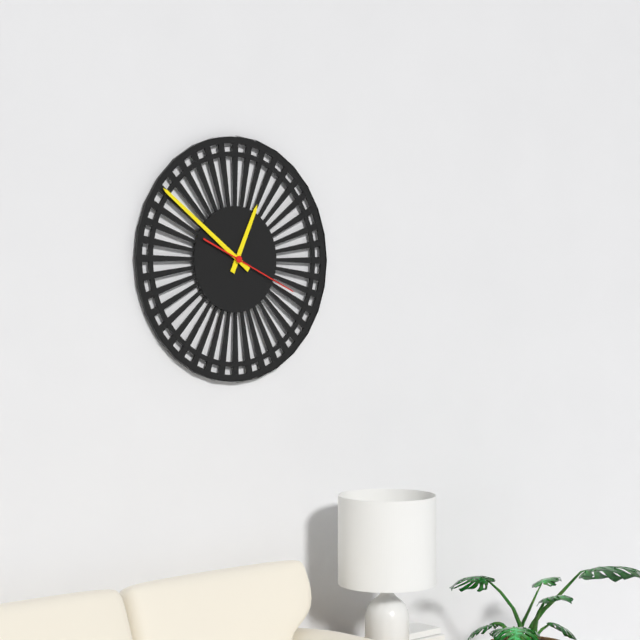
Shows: {"hour": 12, "minute": 51, "second": 19}
